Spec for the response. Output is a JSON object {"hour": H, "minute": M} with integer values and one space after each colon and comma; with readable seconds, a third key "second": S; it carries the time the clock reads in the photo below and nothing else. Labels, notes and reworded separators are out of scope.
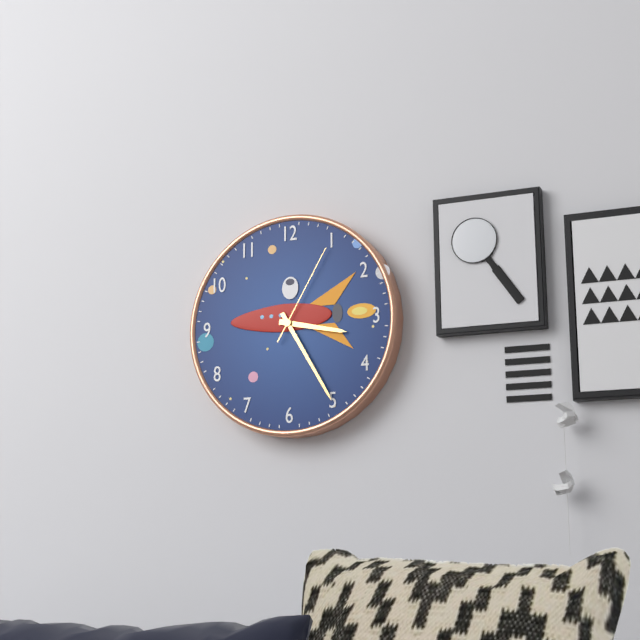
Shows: {"hour": 3, "minute": 25, "second": 5}
